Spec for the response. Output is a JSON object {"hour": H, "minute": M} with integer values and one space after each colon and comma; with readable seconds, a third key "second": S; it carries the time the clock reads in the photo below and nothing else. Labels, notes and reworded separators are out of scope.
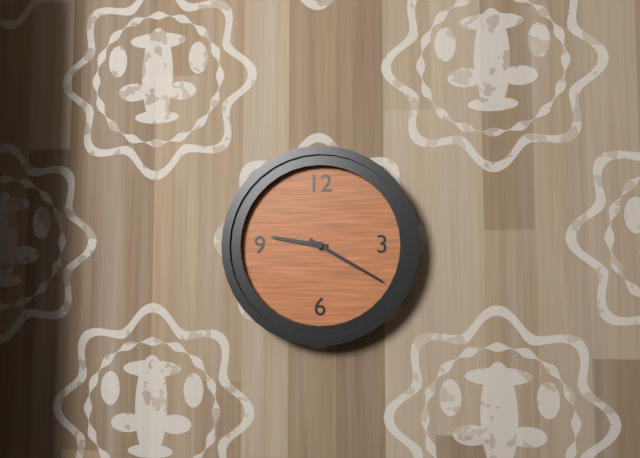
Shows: {"hour": 9, "minute": 20}
